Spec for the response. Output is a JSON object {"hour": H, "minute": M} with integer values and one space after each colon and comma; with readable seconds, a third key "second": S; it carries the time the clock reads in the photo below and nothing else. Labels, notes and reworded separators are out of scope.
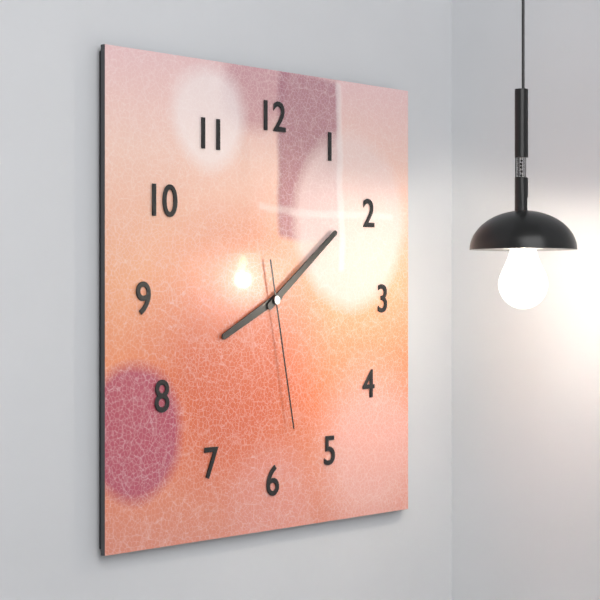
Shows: {"hour": 8, "minute": 9, "second": 28}
